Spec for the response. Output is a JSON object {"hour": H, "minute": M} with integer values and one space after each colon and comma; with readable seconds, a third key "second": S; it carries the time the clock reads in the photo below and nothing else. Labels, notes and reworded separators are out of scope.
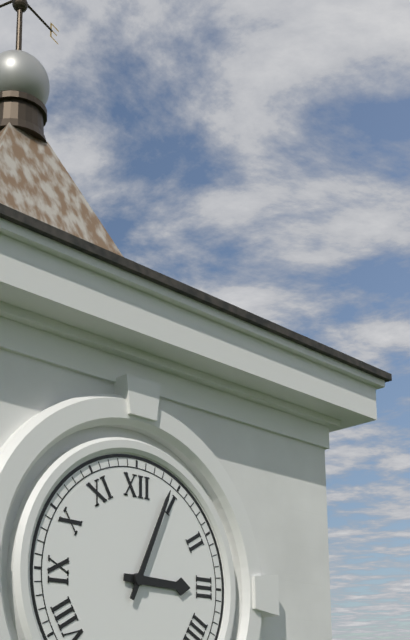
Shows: {"hour": 3, "minute": 4}
